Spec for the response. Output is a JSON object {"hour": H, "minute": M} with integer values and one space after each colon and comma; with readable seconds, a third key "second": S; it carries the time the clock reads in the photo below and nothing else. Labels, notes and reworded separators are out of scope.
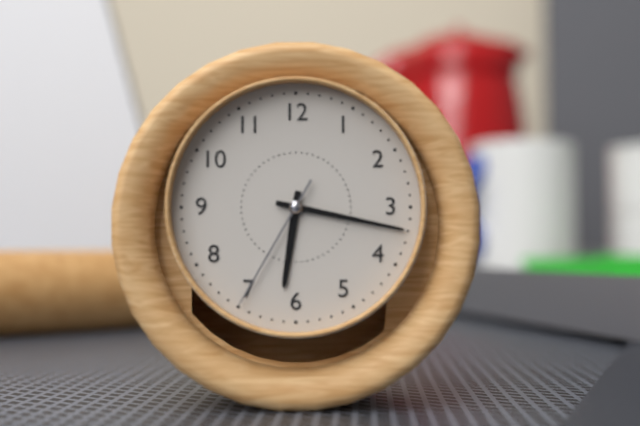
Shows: {"hour": 6, "minute": 17, "second": 35}
